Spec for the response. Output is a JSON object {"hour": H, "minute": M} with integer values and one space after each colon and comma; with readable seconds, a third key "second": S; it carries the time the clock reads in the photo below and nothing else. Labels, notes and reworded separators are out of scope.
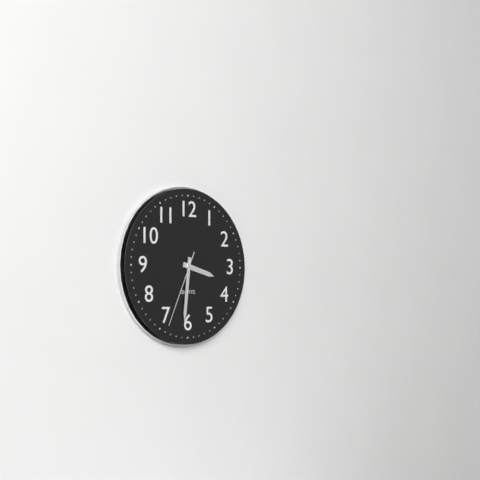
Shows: {"hour": 3, "minute": 31, "second": 34}
